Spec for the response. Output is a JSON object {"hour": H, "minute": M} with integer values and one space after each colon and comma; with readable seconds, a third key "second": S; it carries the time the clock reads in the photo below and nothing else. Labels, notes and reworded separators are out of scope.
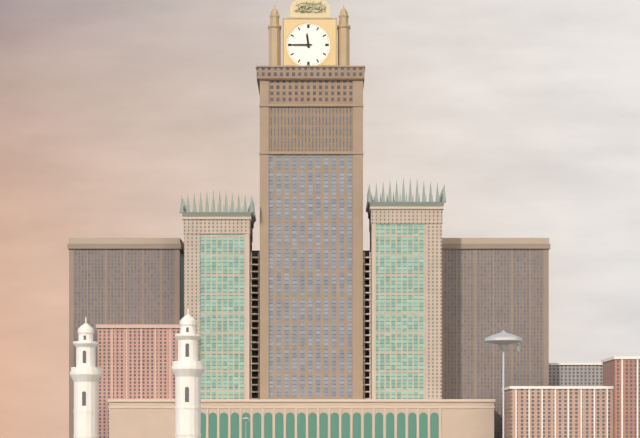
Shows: {"hour": 11, "minute": 45}
